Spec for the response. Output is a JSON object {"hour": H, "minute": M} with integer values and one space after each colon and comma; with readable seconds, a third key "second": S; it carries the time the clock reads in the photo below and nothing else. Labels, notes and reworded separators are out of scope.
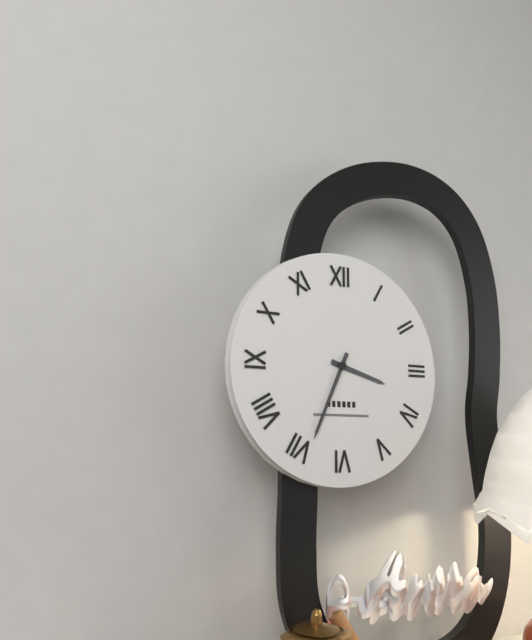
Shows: {"hour": 3, "minute": 34}
